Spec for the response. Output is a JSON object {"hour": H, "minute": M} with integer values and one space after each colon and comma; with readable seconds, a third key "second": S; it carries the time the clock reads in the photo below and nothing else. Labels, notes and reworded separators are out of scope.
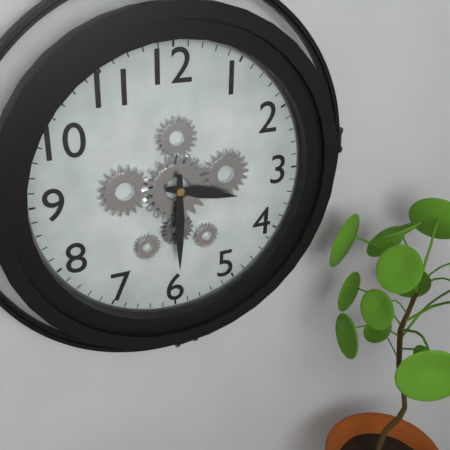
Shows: {"hour": 3, "minute": 30}
